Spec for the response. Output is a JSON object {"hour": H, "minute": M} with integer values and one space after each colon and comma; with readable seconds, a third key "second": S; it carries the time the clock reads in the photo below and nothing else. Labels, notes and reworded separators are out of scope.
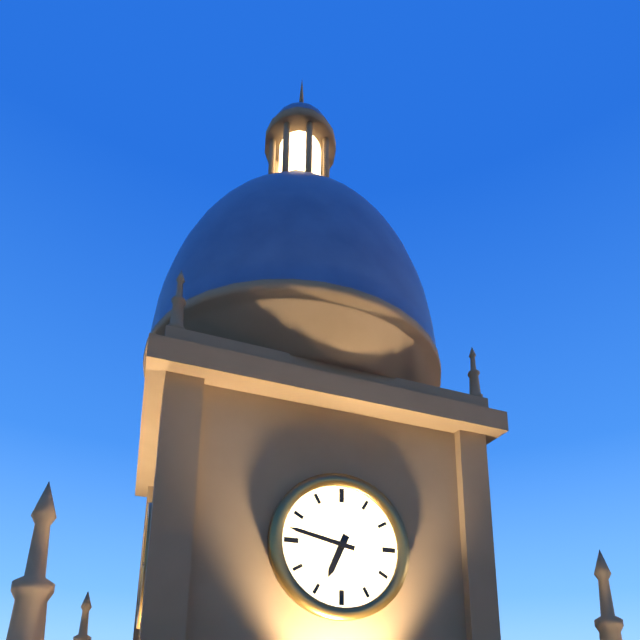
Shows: {"hour": 6, "minute": 47}
